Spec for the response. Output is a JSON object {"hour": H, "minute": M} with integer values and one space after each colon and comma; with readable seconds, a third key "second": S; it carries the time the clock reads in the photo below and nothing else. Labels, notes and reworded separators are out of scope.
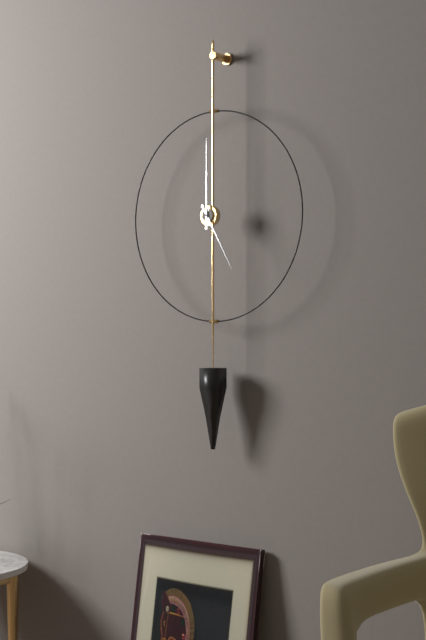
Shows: {"hour": 5, "minute": 0}
